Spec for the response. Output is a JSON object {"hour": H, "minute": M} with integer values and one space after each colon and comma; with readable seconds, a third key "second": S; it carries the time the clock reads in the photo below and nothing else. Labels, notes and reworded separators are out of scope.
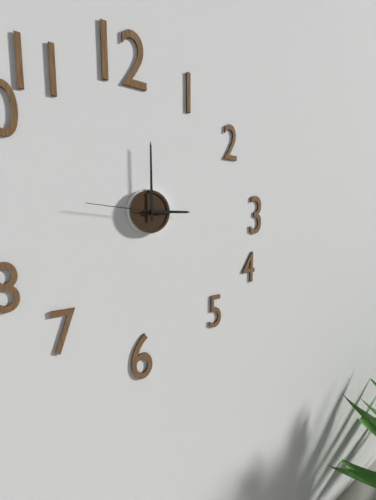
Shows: {"hour": 3, "minute": 0, "second": 46}
